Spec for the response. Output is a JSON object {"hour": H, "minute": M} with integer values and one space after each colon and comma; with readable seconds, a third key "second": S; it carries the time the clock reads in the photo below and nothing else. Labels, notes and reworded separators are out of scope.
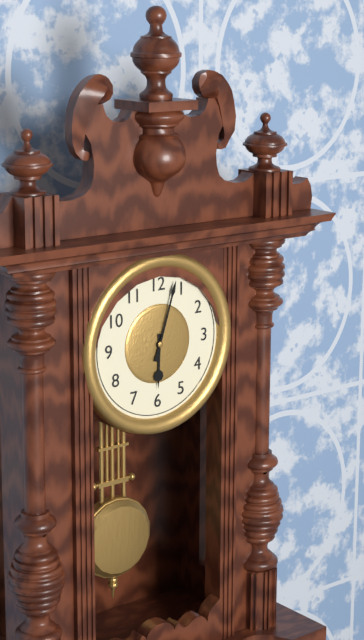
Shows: {"hour": 6, "minute": 3}
